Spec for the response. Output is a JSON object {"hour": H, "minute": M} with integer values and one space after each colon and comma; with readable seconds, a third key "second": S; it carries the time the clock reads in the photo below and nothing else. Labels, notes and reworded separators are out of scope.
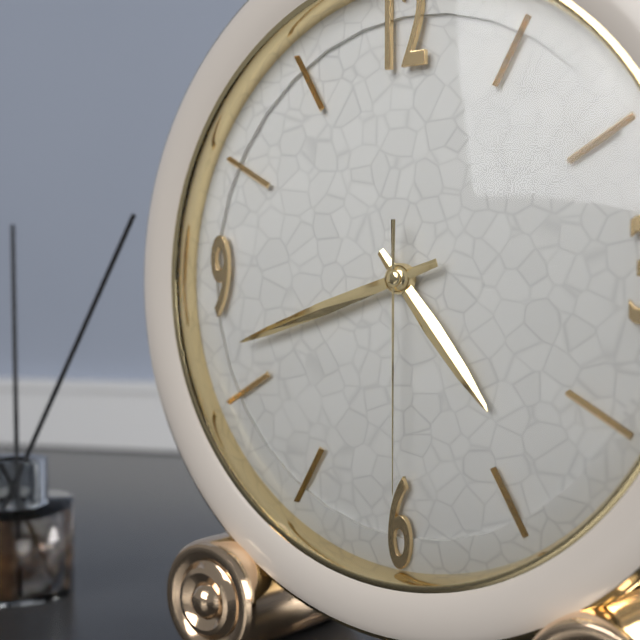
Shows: {"hour": 4, "minute": 42, "second": 30}
